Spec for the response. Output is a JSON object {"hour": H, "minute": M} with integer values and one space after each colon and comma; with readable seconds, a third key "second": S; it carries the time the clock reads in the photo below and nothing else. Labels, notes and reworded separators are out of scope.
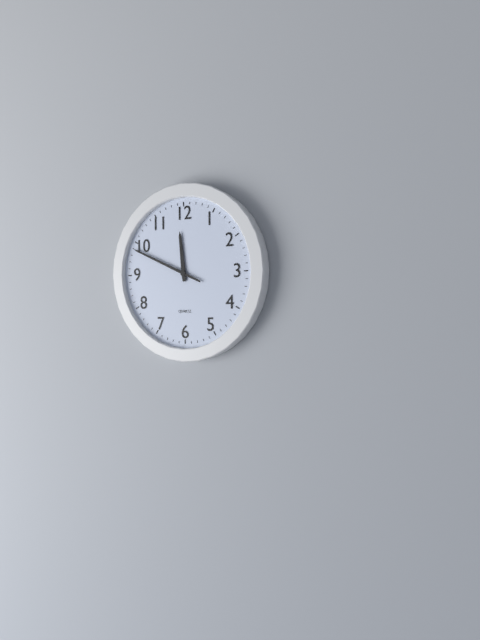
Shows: {"hour": 11, "minute": 49}
